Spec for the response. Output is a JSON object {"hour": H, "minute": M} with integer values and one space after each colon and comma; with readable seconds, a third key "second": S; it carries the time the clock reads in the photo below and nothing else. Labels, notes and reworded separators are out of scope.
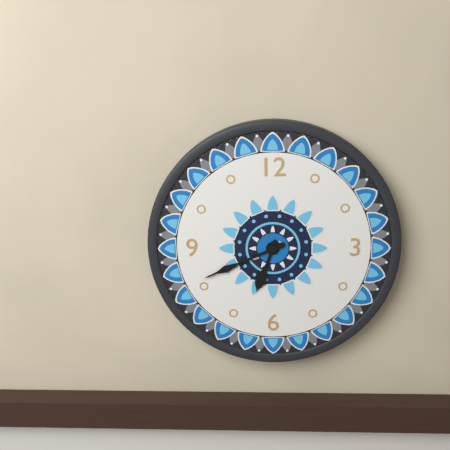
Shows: {"hour": 6, "minute": 41}
